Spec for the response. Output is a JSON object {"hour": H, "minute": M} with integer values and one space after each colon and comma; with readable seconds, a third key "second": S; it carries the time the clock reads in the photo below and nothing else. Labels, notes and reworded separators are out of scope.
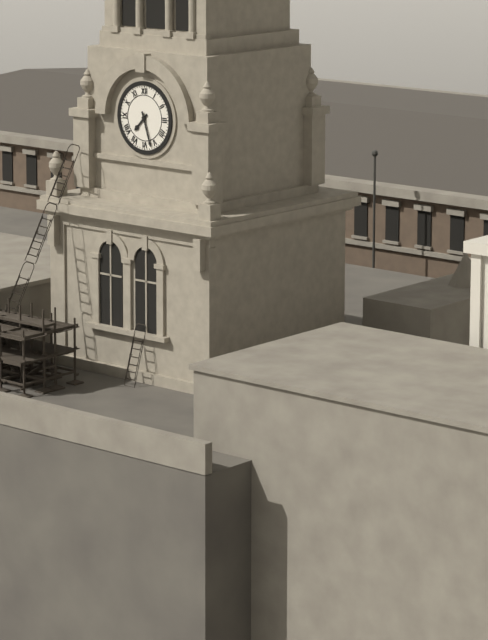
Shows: {"hour": 7, "minute": 27}
